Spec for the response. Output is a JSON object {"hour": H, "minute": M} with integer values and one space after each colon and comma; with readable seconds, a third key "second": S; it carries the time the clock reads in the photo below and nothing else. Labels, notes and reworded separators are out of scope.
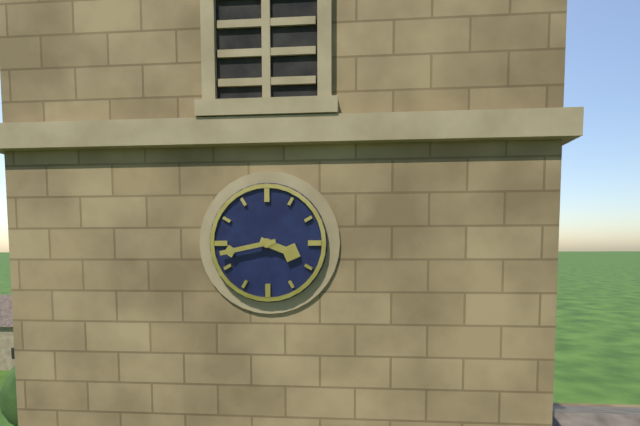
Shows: {"hour": 3, "minute": 43}
